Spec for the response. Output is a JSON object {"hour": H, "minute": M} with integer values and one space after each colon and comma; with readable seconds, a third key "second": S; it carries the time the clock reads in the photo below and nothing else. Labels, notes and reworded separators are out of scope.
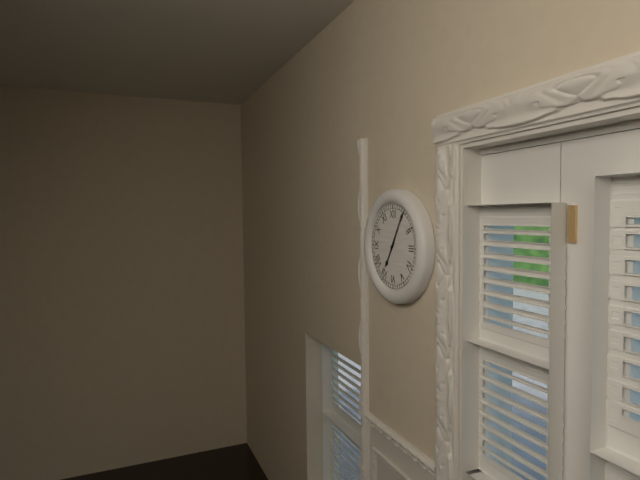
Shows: {"hour": 7, "minute": 5}
